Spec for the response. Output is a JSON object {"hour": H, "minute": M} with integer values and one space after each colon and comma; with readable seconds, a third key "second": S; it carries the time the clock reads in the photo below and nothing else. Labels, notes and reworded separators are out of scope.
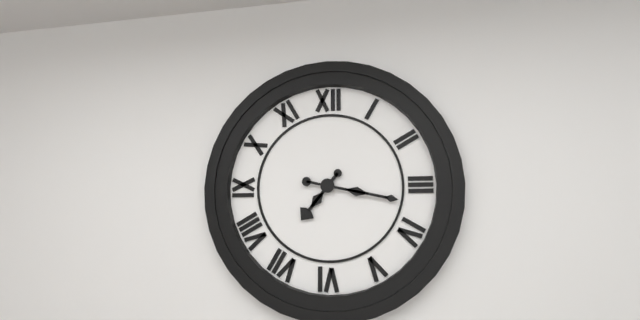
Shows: {"hour": 7, "minute": 17}
